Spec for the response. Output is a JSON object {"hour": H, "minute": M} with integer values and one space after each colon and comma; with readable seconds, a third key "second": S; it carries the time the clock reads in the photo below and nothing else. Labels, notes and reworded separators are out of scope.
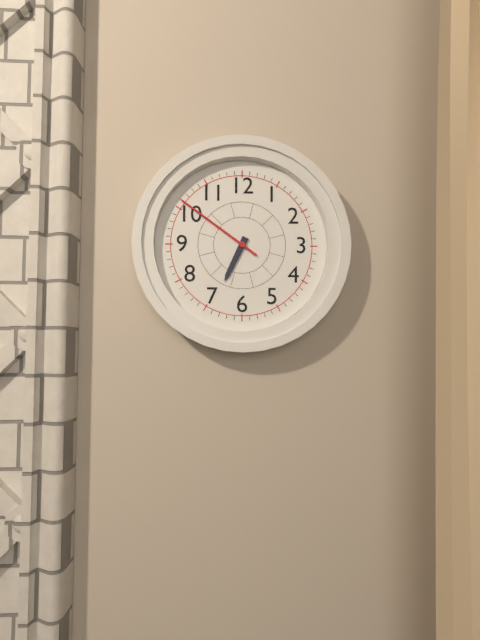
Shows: {"hour": 6, "minute": 51}
